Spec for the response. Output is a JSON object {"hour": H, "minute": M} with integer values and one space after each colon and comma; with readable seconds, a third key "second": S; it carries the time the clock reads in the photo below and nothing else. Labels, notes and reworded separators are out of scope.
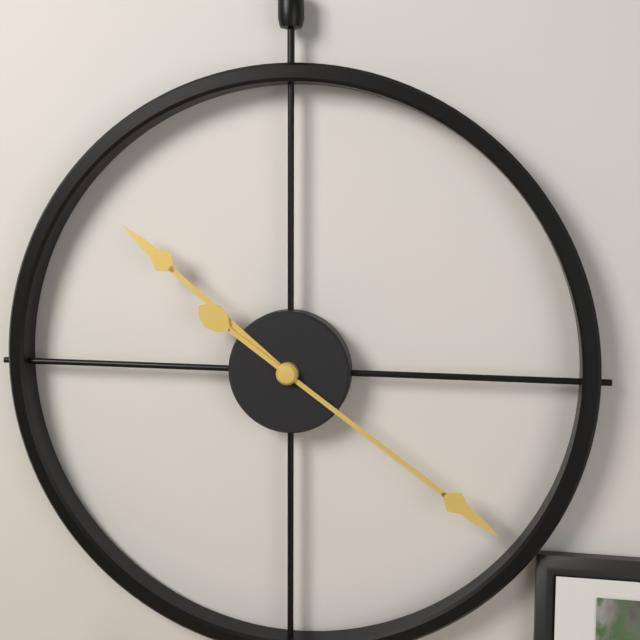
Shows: {"hour": 10, "minute": 21}
